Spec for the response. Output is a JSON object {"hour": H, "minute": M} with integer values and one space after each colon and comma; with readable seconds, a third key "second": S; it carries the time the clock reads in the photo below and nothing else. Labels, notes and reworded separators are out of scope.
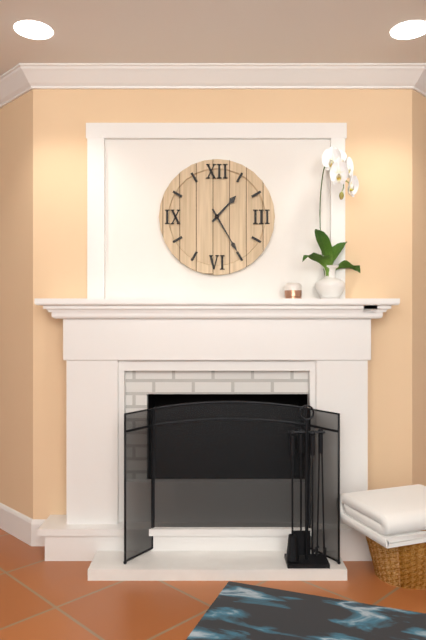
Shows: {"hour": 1, "minute": 25}
